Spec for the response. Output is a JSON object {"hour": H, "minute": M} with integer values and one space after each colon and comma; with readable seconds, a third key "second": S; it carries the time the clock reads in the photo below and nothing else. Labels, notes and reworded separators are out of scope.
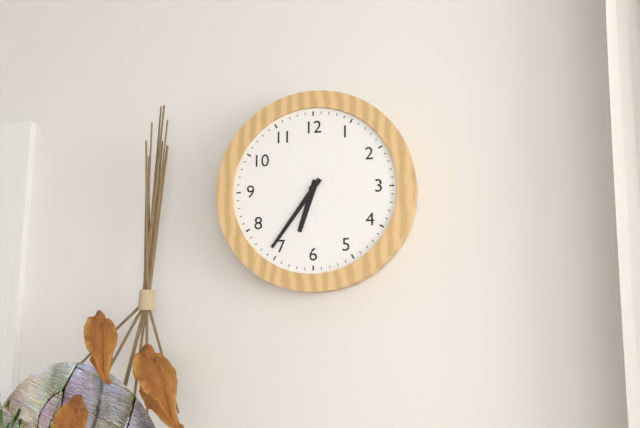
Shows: {"hour": 6, "minute": 36}
